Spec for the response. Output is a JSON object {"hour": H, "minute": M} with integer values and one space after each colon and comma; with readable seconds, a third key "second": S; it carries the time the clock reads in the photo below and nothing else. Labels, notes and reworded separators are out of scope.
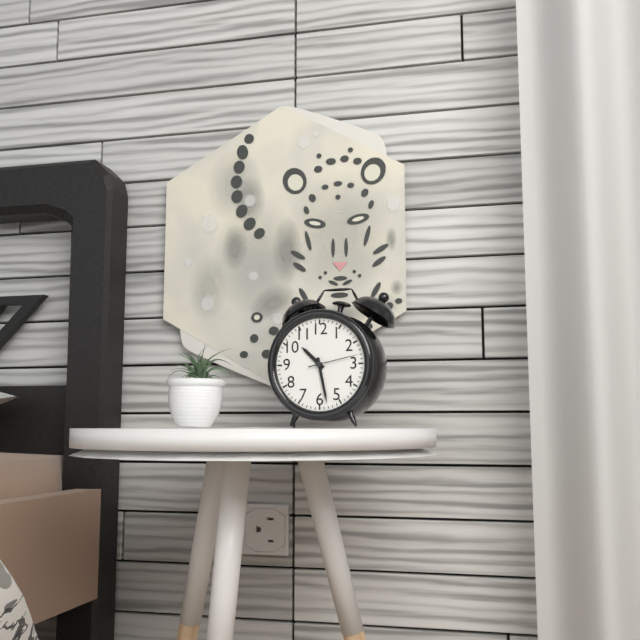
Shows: {"hour": 10, "minute": 28, "second": 13}
